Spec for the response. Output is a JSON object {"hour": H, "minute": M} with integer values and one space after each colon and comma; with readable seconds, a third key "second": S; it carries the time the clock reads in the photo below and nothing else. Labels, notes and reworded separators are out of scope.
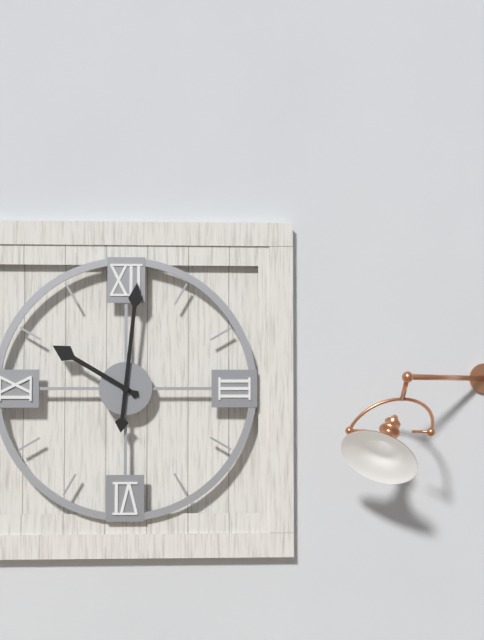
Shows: {"hour": 10, "minute": 1}
